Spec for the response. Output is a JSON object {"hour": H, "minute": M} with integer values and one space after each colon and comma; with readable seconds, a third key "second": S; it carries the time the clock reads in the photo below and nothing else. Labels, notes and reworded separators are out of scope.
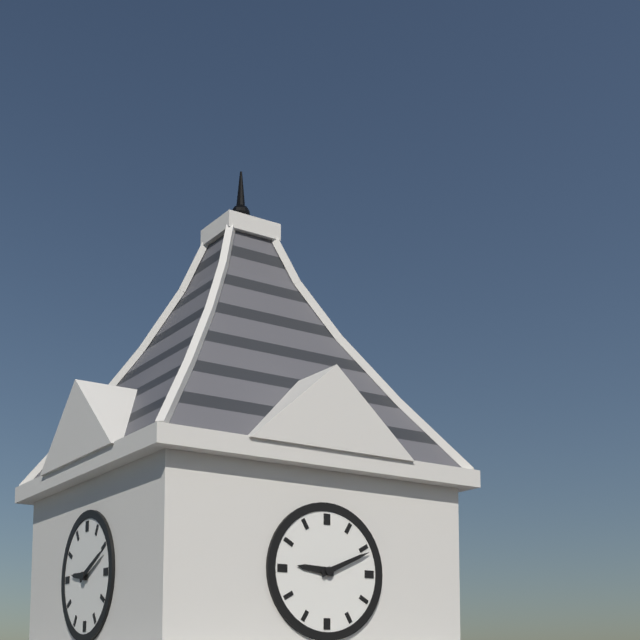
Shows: {"hour": 9, "minute": 11}
